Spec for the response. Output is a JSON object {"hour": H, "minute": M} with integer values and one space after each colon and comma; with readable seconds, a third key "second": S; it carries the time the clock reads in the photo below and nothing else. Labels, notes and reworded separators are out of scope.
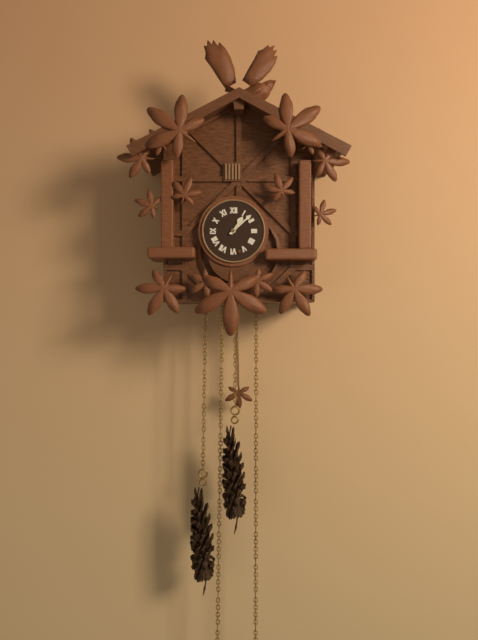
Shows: {"hour": 1, "minute": 8}
